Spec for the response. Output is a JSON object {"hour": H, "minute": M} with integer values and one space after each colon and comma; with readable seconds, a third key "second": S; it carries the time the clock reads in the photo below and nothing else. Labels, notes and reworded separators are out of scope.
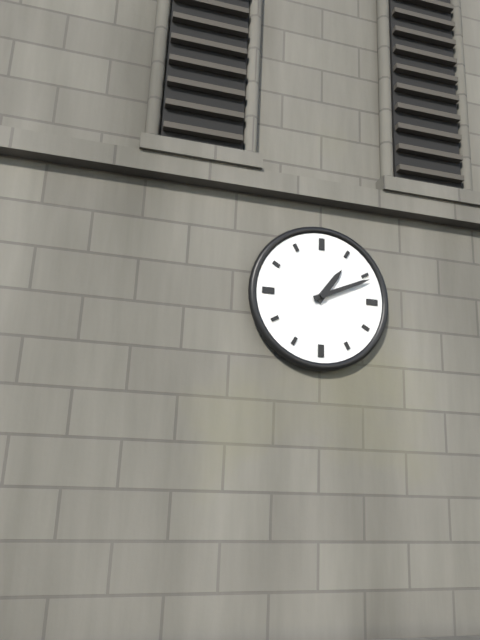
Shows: {"hour": 1, "minute": 11}
